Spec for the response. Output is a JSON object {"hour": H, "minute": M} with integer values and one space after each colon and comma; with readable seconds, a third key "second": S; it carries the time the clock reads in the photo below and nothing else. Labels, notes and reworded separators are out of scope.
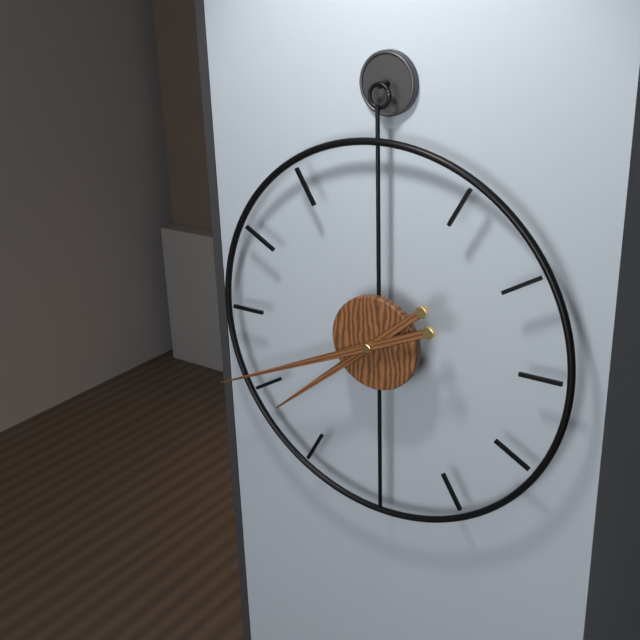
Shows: {"hour": 7, "minute": 41}
